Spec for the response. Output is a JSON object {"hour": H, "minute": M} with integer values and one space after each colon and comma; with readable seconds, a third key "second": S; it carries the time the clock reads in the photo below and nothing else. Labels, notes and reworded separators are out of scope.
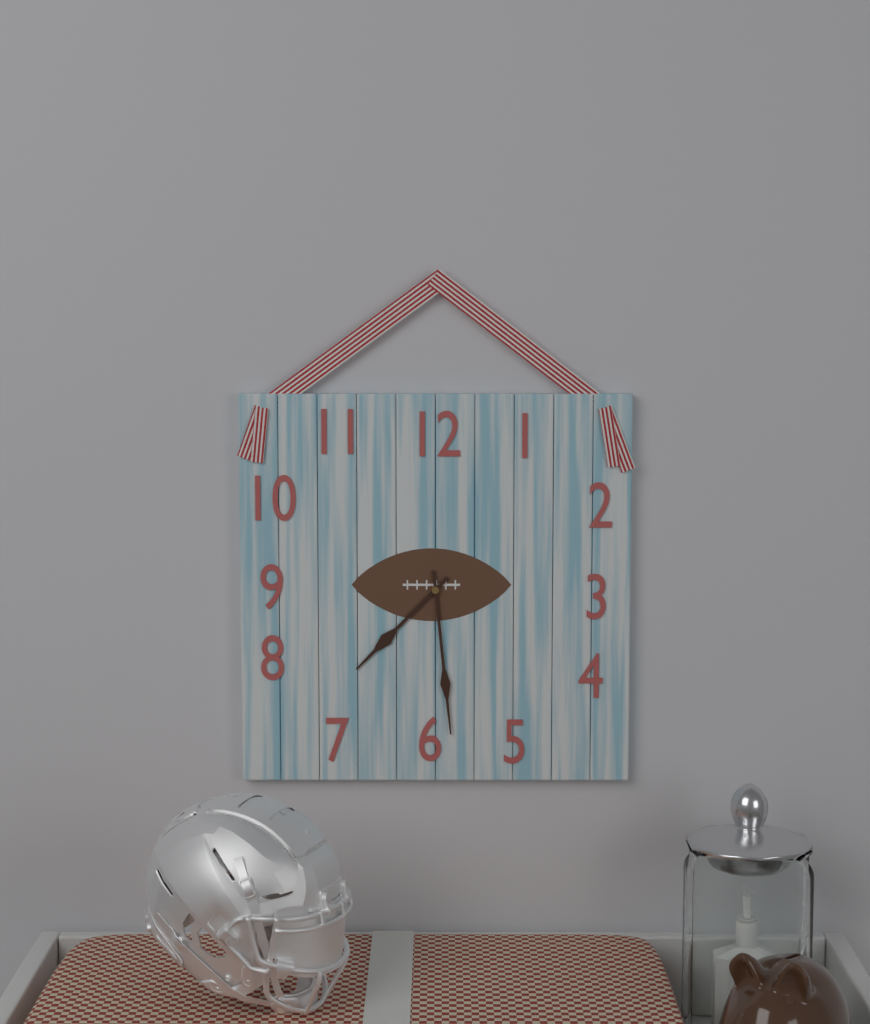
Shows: {"hour": 7, "minute": 29}
